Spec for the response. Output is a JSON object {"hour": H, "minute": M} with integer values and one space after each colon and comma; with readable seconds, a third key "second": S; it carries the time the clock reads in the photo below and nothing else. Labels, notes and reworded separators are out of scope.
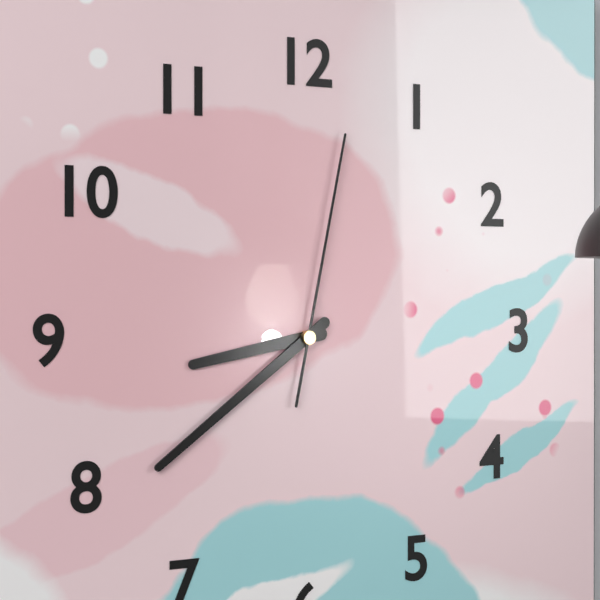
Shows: {"hour": 8, "minute": 39, "second": 2}
